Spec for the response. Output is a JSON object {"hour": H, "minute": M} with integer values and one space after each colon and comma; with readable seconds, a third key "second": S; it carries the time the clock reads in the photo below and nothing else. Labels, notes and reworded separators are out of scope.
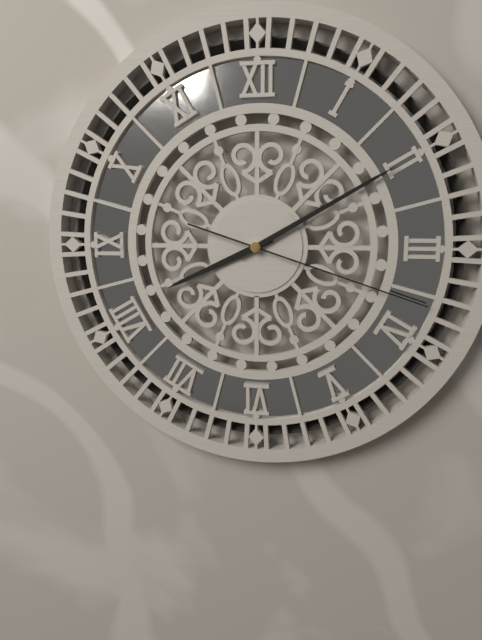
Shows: {"hour": 8, "minute": 10, "second": 18}
